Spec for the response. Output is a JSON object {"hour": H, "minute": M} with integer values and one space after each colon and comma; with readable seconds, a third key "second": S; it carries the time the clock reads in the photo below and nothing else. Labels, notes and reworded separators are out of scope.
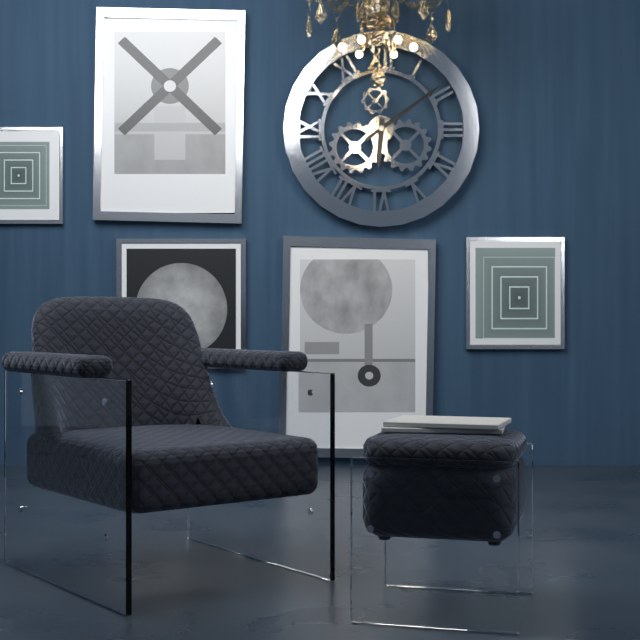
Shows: {"hour": 6, "minute": 9}
